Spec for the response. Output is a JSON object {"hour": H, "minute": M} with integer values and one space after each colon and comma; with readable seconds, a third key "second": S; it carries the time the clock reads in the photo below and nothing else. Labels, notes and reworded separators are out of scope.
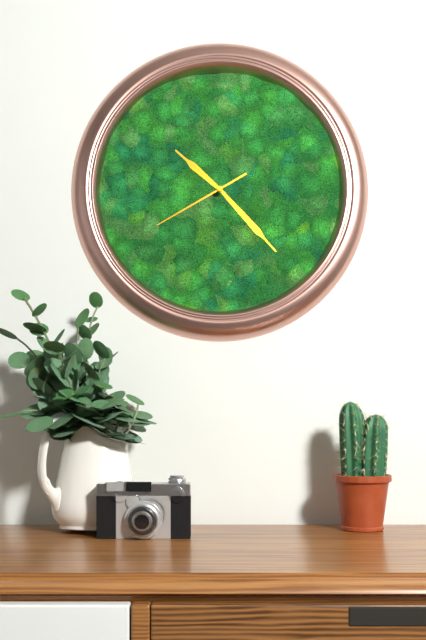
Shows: {"hour": 10, "minute": 23, "second": 40}
